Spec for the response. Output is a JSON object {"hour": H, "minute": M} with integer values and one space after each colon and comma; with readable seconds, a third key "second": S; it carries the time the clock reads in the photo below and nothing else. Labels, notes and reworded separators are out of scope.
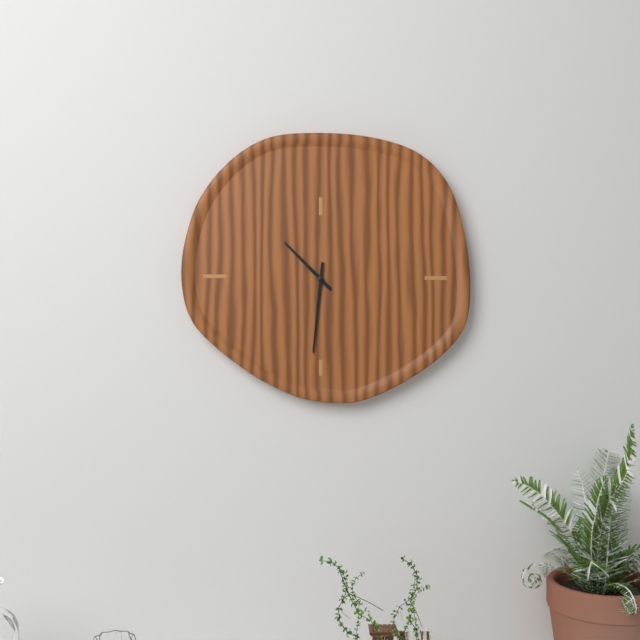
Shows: {"hour": 10, "minute": 31}
